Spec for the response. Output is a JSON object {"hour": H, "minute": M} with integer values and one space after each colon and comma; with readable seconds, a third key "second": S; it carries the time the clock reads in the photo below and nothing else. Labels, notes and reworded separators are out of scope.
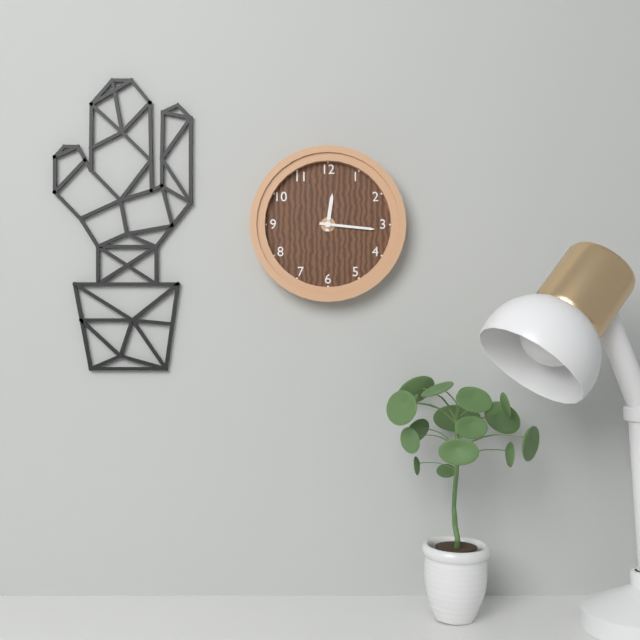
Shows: {"hour": 12, "minute": 16}
